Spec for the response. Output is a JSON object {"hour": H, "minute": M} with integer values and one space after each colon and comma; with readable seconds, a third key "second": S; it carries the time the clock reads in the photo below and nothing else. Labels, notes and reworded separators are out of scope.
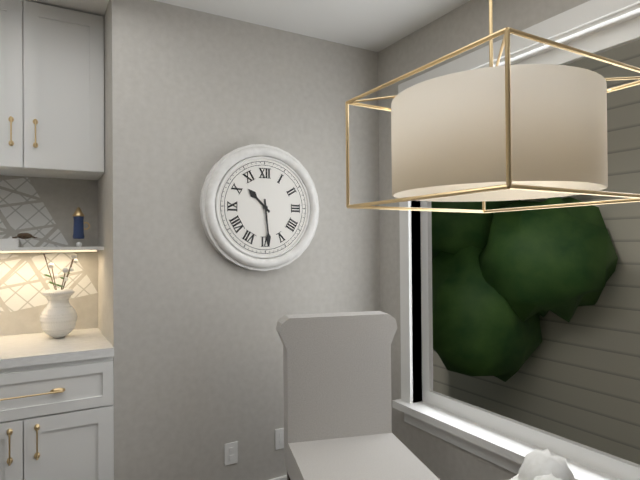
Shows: {"hour": 10, "minute": 29}
